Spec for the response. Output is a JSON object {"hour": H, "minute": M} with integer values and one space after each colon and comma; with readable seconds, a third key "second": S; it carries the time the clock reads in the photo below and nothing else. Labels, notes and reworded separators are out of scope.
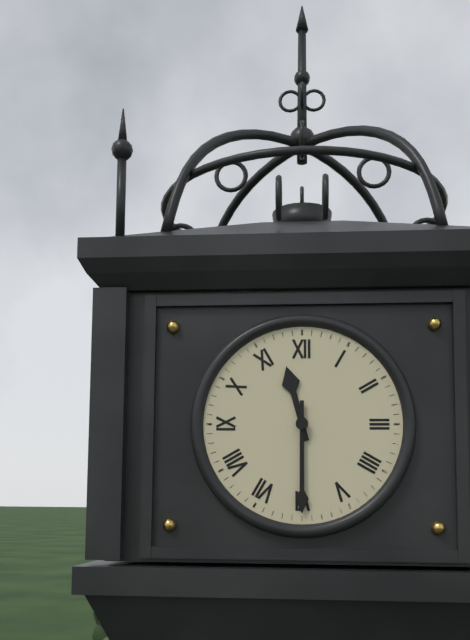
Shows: {"hour": 11, "minute": 30}
